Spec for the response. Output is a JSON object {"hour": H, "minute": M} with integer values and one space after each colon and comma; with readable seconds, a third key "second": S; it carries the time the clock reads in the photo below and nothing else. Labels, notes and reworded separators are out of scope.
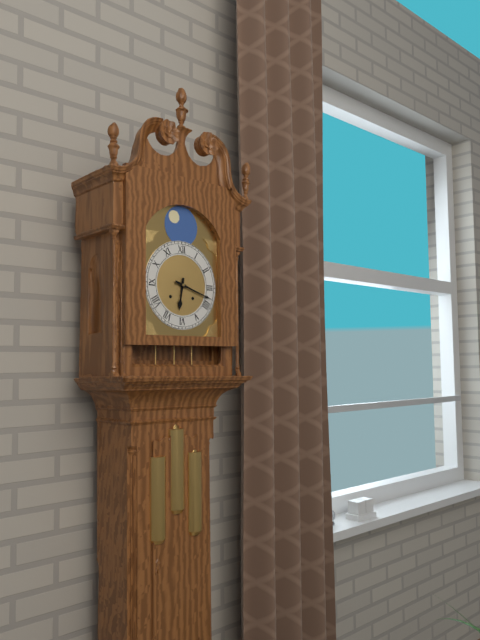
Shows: {"hour": 6, "minute": 18}
